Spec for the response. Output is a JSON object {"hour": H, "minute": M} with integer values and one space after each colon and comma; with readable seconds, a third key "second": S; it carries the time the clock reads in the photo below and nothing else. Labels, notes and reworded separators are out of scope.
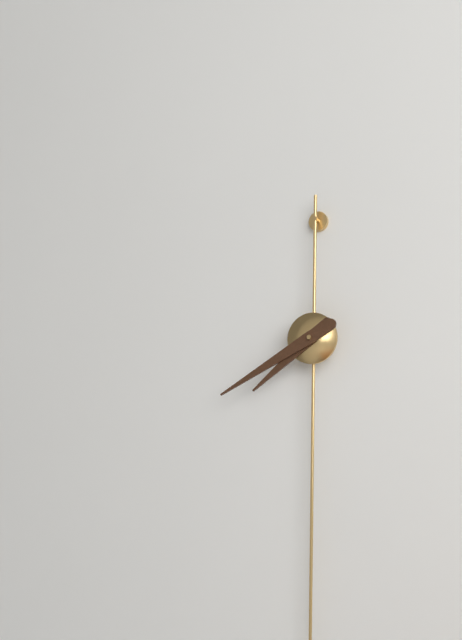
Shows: {"hour": 7, "minute": 40}
